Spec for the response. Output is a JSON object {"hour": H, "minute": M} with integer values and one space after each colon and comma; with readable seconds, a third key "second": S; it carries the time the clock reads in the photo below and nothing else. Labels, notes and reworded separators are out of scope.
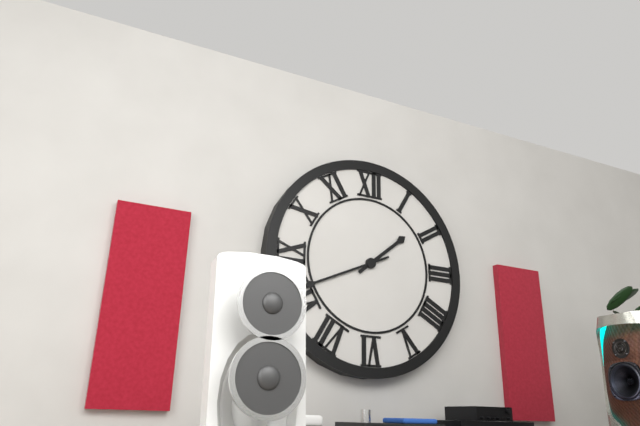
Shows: {"hour": 1, "minute": 41}
